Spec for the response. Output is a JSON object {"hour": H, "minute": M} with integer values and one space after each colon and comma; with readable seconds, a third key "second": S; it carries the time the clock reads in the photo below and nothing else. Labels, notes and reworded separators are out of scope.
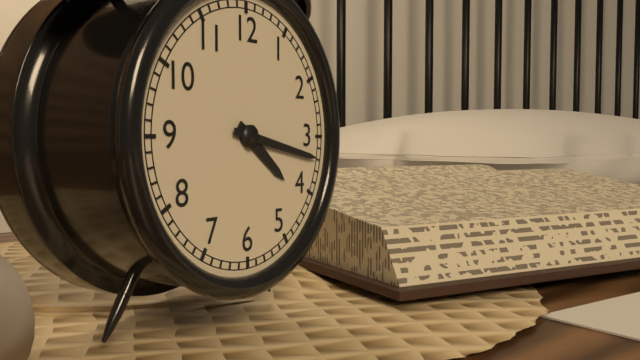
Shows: {"hour": 4, "minute": 17}
